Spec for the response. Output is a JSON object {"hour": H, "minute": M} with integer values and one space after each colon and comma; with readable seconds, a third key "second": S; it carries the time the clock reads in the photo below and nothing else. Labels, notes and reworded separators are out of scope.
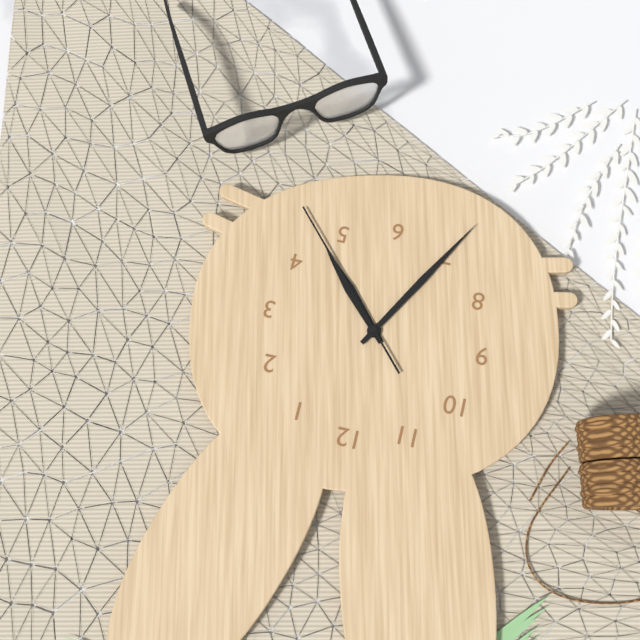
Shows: {"hour": 4, "minute": 35, "second": 23}
